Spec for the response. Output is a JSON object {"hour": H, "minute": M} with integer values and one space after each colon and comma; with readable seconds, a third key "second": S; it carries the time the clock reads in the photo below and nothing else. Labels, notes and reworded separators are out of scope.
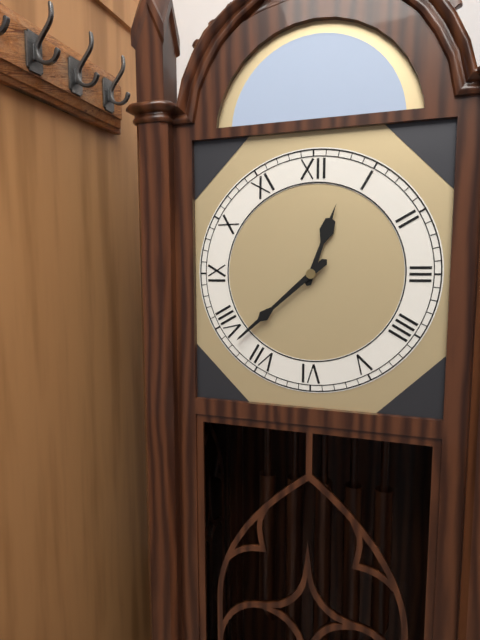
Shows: {"hour": 12, "minute": 38}
